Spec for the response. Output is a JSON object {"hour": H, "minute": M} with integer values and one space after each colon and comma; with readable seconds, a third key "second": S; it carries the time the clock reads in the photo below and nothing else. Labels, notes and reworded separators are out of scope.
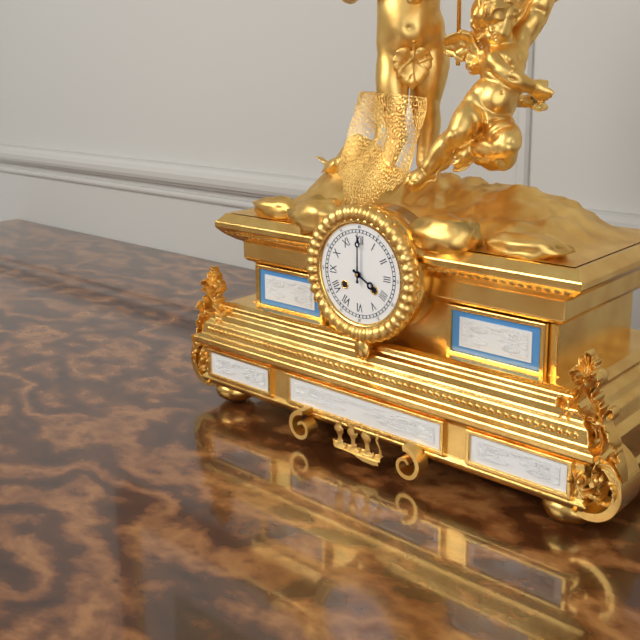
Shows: {"hour": 4, "minute": 0}
